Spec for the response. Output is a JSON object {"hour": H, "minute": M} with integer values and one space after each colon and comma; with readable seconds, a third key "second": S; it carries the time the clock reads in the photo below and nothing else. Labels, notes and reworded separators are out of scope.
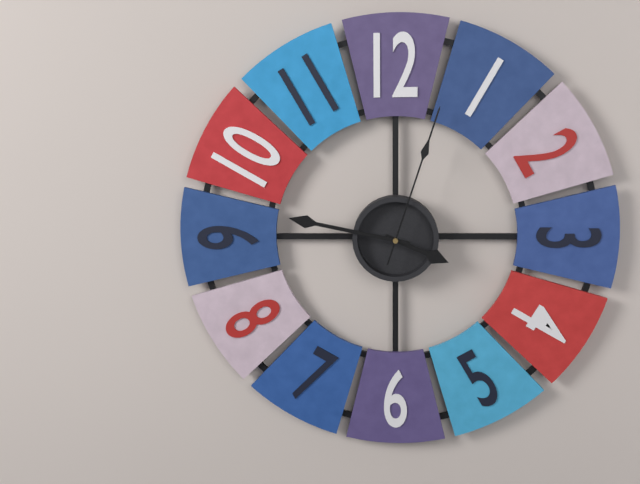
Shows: {"hour": 3, "minute": 47, "second": 3}
